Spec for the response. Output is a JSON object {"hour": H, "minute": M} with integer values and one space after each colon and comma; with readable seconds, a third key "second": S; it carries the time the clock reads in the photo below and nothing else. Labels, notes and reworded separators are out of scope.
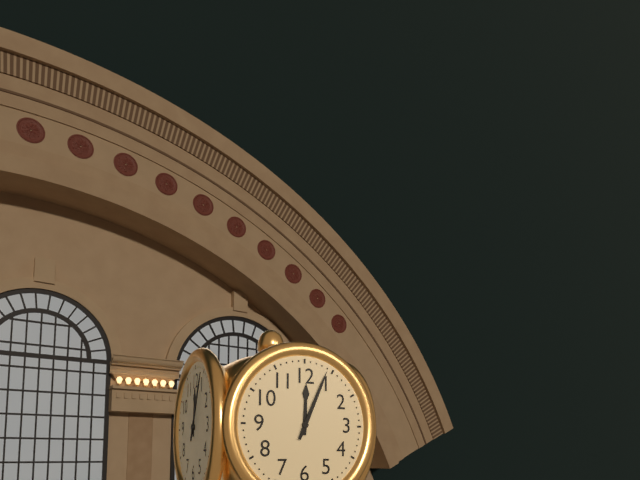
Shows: {"hour": 12, "minute": 4}
